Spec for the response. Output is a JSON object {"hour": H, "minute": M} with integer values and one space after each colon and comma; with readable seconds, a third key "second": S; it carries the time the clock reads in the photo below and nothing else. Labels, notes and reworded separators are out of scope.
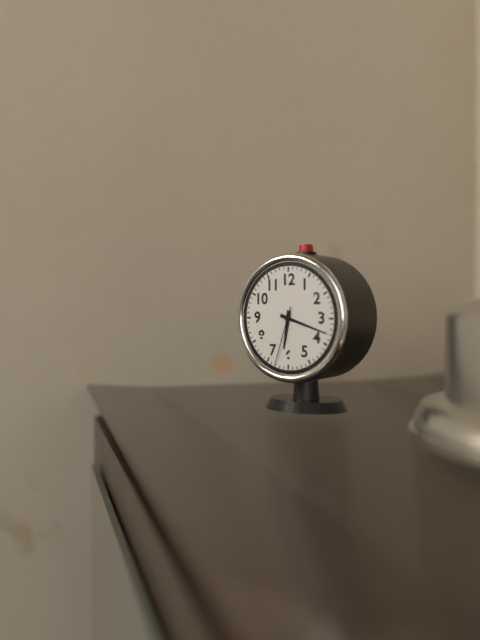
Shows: {"hour": 6, "minute": 18, "second": 33}
